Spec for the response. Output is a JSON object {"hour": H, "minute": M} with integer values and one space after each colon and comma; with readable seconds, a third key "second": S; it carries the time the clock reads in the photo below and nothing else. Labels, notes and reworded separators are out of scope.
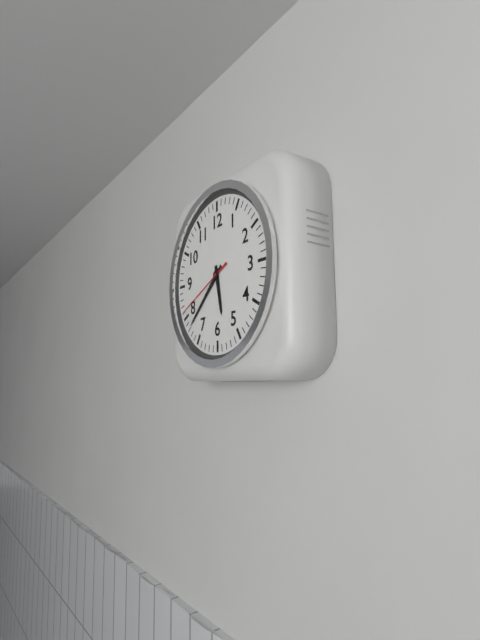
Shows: {"hour": 5, "minute": 38, "second": 41}
